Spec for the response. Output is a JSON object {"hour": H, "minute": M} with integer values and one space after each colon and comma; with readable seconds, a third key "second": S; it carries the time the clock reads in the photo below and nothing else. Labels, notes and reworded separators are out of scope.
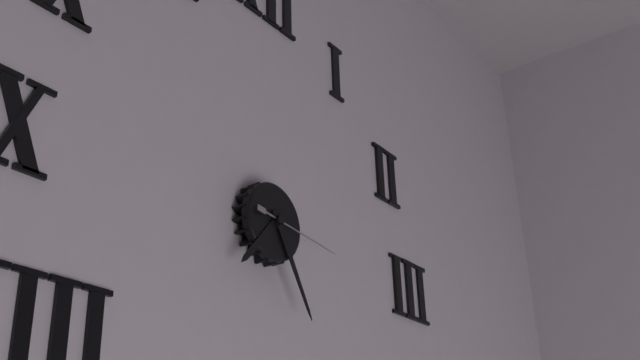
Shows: {"hour": 7, "minute": 25, "second": 16}
